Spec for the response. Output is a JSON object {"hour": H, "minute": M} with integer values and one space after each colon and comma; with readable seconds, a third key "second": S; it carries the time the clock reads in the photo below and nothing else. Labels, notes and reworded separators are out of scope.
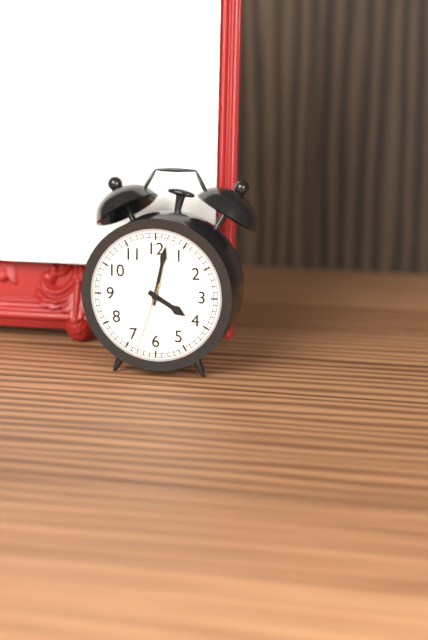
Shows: {"hour": 4, "minute": 2, "second": 33}
